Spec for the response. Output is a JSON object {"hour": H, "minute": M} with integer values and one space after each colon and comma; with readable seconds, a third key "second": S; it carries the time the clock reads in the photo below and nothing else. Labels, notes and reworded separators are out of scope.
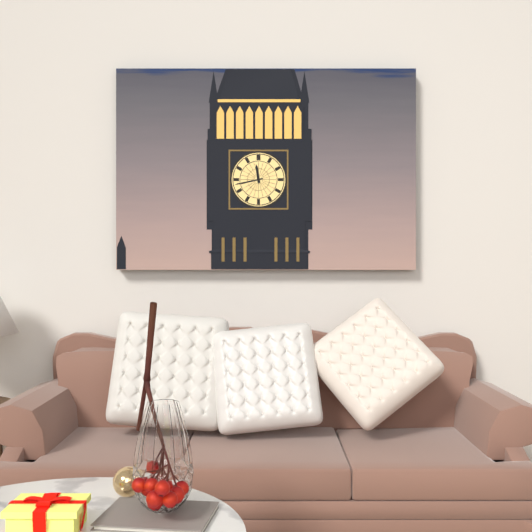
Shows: {"hour": 11, "minute": 43}
